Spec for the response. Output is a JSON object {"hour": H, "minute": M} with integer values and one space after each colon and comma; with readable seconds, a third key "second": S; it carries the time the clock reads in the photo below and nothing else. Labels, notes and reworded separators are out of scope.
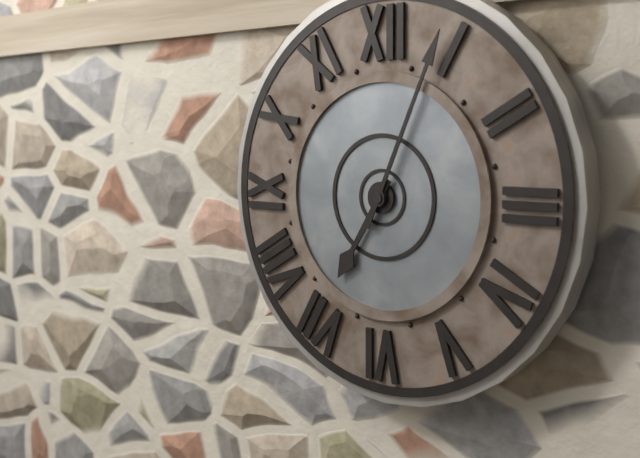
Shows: {"hour": 7, "minute": 4}
